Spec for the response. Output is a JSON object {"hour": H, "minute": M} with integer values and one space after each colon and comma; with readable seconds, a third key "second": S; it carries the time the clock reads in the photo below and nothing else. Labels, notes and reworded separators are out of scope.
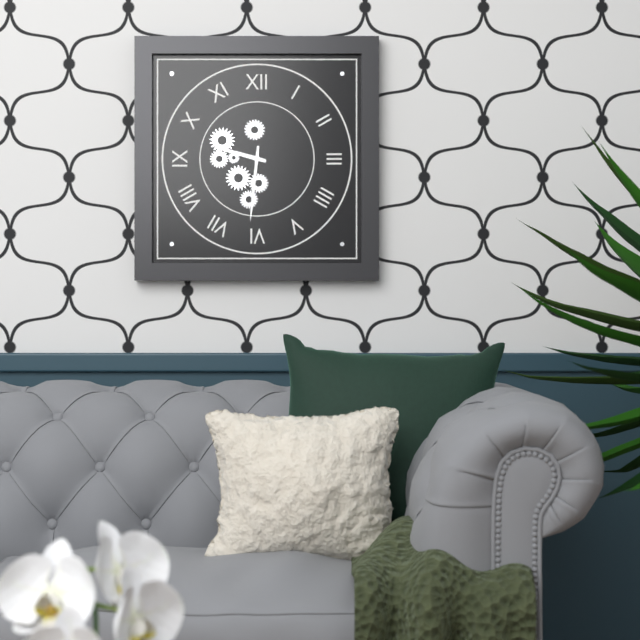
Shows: {"hour": 9, "minute": 31}
